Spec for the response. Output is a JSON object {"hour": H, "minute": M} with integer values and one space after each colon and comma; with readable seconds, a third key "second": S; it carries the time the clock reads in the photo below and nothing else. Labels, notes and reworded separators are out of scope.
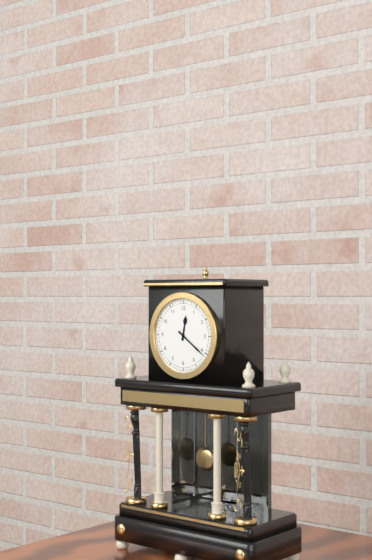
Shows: {"hour": 12, "minute": 21}
